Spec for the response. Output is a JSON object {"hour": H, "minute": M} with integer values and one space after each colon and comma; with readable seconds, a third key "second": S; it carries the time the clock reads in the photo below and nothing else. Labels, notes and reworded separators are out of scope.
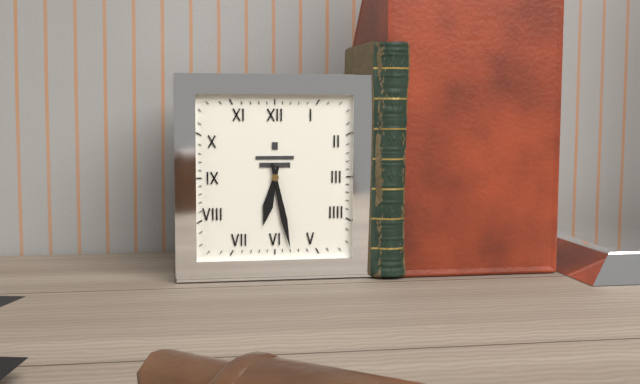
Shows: {"hour": 6, "minute": 28}
